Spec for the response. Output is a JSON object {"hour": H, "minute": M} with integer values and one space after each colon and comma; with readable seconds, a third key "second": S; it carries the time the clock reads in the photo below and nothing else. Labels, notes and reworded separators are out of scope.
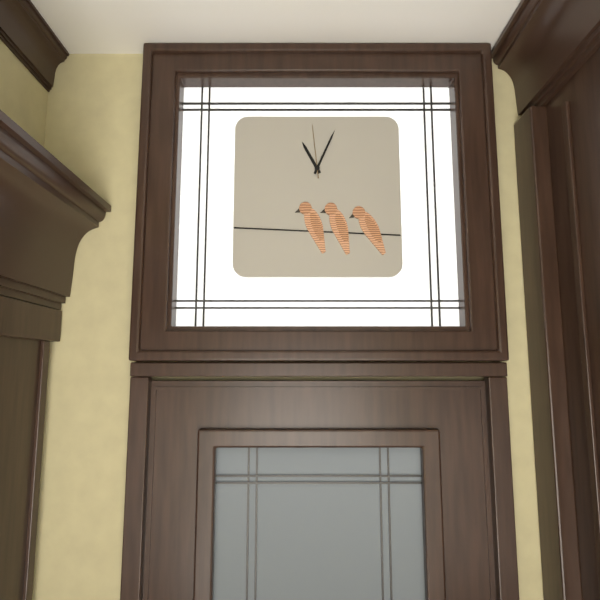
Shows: {"hour": 11, "minute": 4, "second": 59}
